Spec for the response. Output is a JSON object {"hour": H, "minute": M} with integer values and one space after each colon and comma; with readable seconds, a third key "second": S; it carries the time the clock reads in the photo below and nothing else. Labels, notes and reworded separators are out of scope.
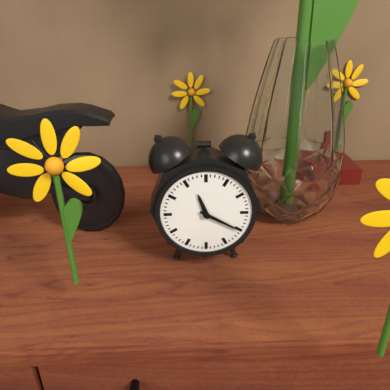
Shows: {"hour": 11, "minute": 20}
